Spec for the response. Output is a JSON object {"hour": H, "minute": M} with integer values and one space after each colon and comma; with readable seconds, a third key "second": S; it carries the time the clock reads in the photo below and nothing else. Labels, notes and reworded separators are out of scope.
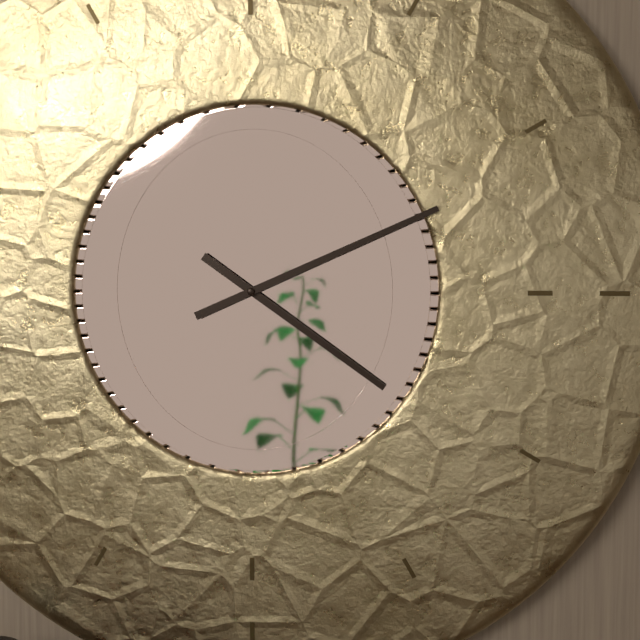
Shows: {"hour": 4, "minute": 11}
